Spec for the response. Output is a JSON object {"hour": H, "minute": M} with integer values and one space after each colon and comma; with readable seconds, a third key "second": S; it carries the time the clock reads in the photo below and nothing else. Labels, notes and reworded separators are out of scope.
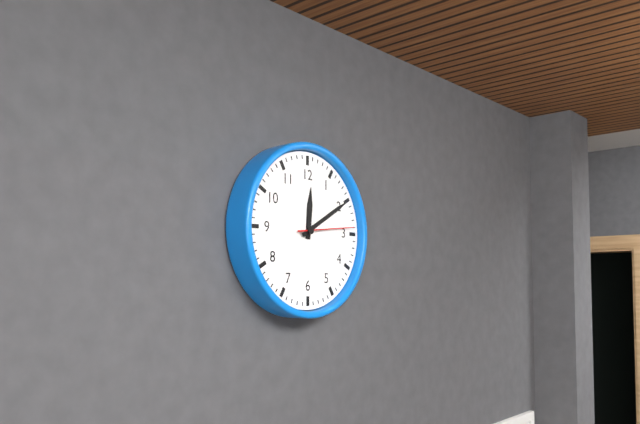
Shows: {"hour": 12, "minute": 10, "second": 14}
